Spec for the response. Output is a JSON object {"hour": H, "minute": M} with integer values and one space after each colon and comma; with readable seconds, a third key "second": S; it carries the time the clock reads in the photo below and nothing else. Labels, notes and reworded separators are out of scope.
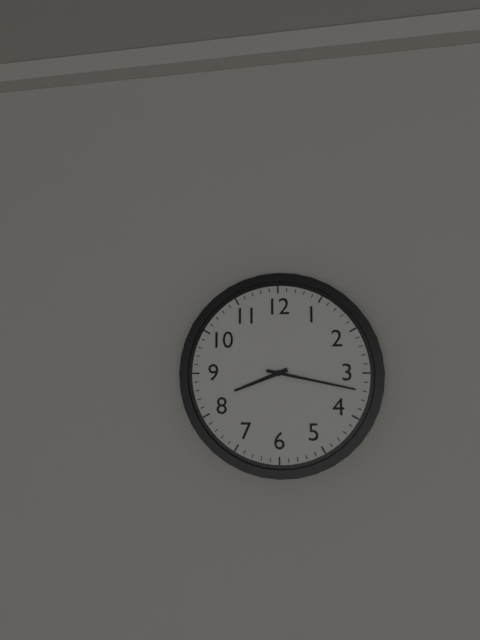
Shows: {"hour": 8, "minute": 17}
